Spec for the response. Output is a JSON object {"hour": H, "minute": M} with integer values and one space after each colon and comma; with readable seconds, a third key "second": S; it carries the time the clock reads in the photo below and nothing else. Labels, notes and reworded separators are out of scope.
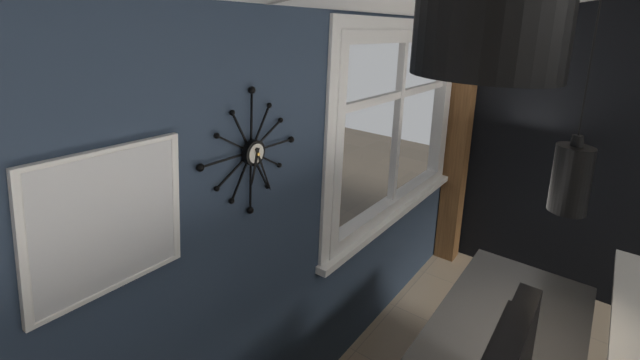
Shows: {"hour": 6, "minute": 26}
